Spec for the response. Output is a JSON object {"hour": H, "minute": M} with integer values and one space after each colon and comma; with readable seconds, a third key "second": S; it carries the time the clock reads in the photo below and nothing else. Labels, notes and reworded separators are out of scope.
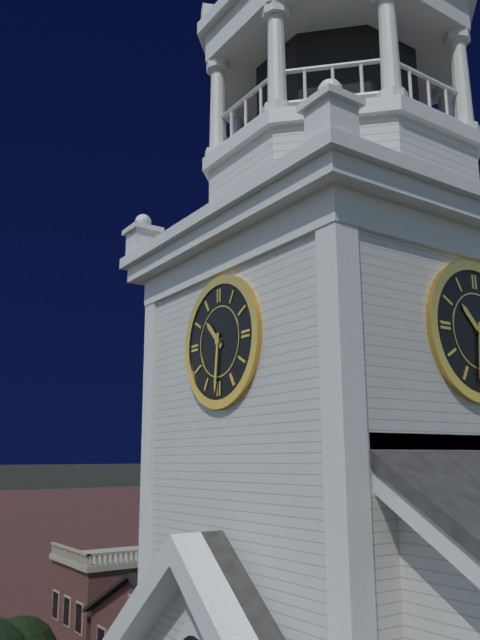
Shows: {"hour": 10, "minute": 31}
